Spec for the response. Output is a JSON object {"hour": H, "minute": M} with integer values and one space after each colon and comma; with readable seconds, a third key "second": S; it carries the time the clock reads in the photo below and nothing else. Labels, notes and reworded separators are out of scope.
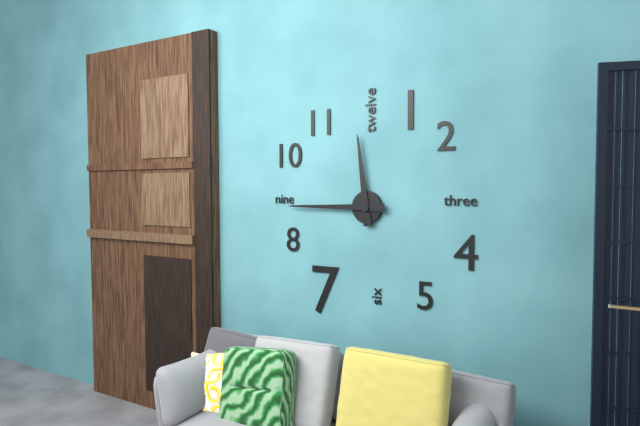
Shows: {"hour": 11, "minute": 45}
